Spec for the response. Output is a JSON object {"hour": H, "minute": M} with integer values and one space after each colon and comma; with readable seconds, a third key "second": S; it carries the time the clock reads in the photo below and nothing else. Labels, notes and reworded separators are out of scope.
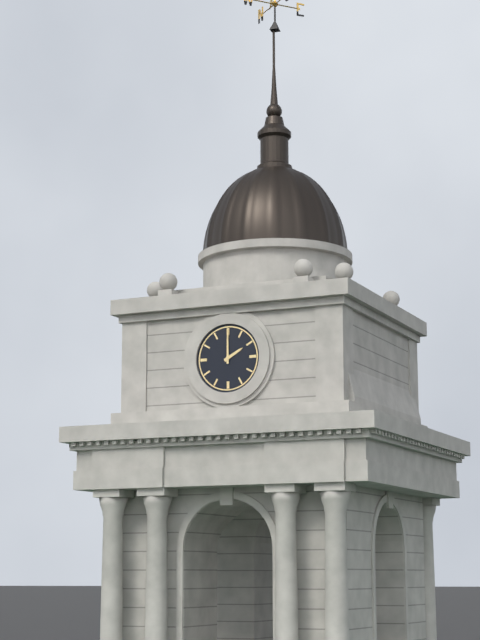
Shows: {"hour": 2, "minute": 0}
